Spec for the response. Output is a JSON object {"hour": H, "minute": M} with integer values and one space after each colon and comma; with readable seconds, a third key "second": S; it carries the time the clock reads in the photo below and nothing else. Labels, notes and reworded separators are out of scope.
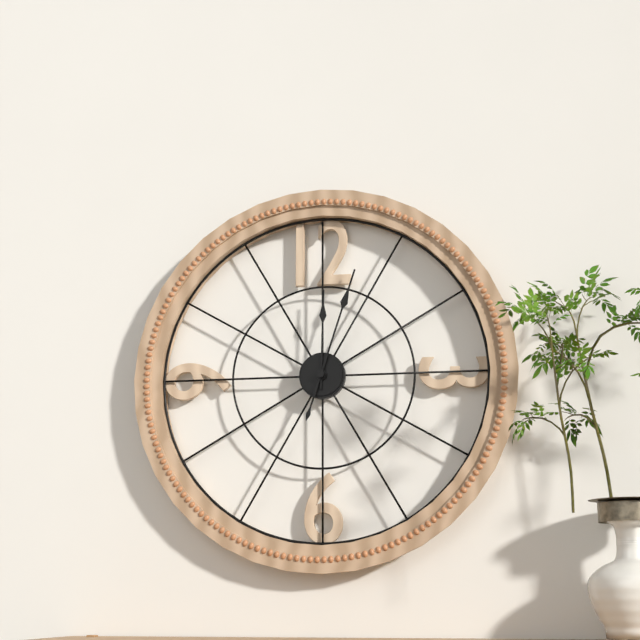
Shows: {"hour": 12, "minute": 3}
